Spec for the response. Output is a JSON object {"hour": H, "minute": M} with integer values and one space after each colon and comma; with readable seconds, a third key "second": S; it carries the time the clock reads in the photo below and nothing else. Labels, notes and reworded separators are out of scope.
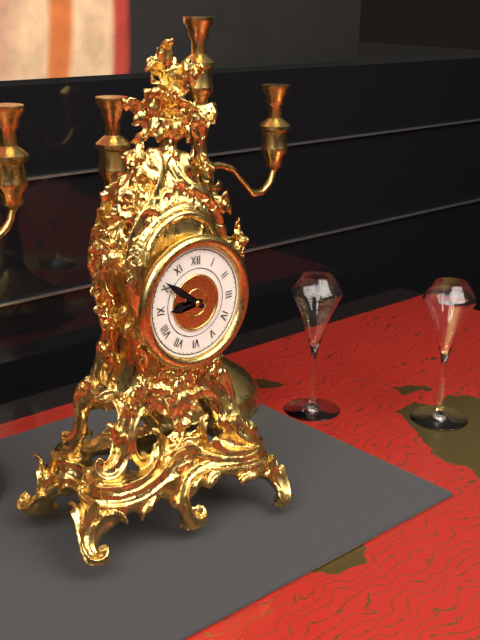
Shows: {"hour": 8, "minute": 51}
